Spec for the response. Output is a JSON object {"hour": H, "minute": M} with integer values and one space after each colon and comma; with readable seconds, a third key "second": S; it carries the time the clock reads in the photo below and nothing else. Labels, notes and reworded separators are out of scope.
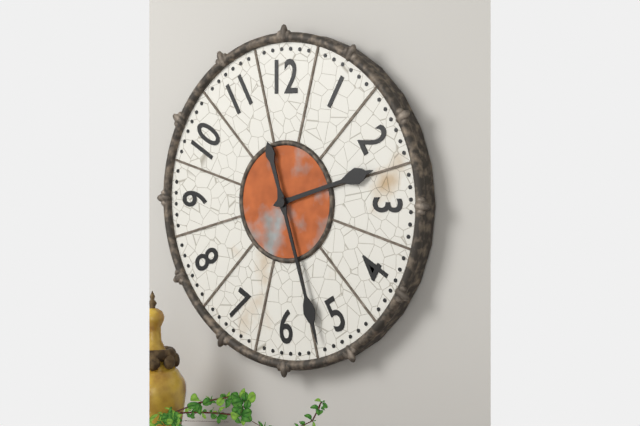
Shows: {"hour": 2, "minute": 27}
